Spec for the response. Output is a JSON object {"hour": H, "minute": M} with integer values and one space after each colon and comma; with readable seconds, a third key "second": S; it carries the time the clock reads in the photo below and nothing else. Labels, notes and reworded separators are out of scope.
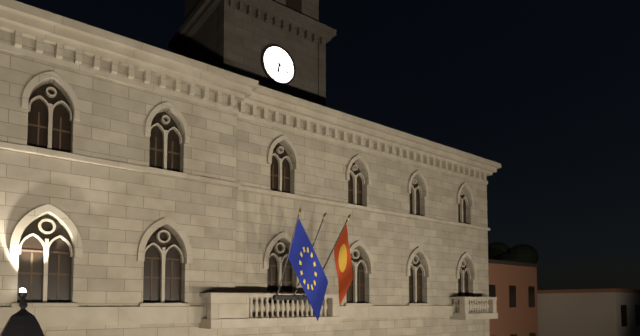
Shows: {"hour": 6, "minute": 20}
